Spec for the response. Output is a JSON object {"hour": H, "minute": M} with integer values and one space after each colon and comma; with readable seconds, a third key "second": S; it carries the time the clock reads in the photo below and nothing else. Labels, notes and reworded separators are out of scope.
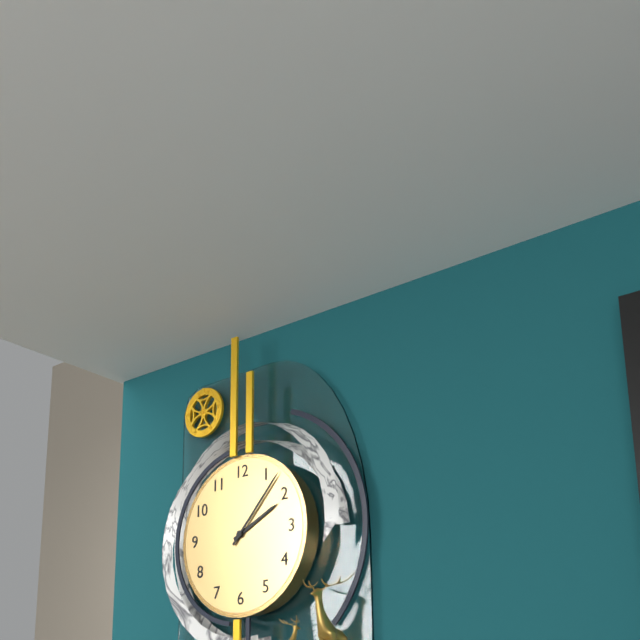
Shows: {"hour": 2, "minute": 7}
